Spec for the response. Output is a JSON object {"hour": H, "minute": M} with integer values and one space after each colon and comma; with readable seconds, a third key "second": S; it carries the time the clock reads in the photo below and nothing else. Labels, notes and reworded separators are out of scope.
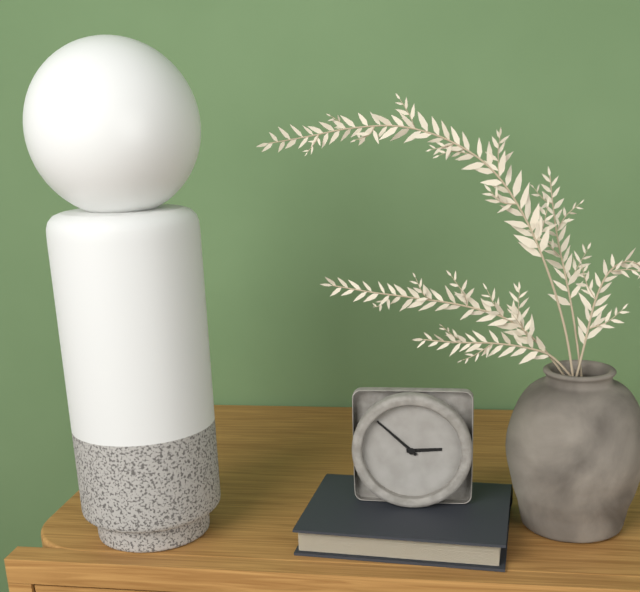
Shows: {"hour": 2, "minute": 52}
